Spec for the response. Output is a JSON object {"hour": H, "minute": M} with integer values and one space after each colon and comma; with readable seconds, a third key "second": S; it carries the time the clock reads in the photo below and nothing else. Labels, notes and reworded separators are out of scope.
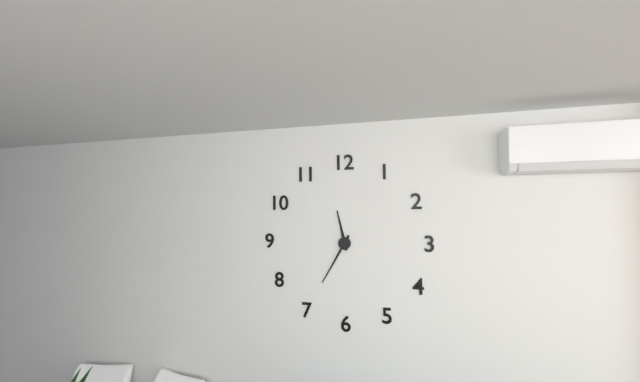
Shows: {"hour": 11, "minute": 35}
